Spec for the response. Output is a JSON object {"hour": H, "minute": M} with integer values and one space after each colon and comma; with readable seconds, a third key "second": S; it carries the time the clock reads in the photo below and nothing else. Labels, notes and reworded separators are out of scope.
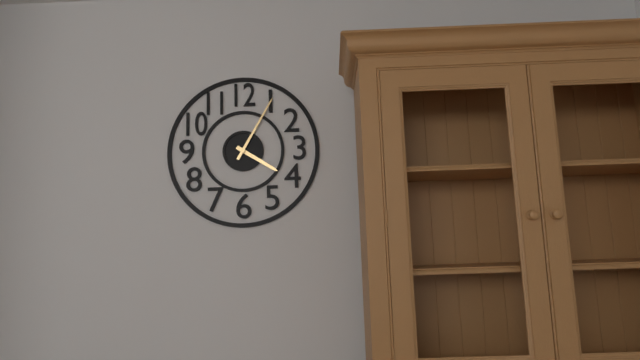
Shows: {"hour": 4, "minute": 5}
